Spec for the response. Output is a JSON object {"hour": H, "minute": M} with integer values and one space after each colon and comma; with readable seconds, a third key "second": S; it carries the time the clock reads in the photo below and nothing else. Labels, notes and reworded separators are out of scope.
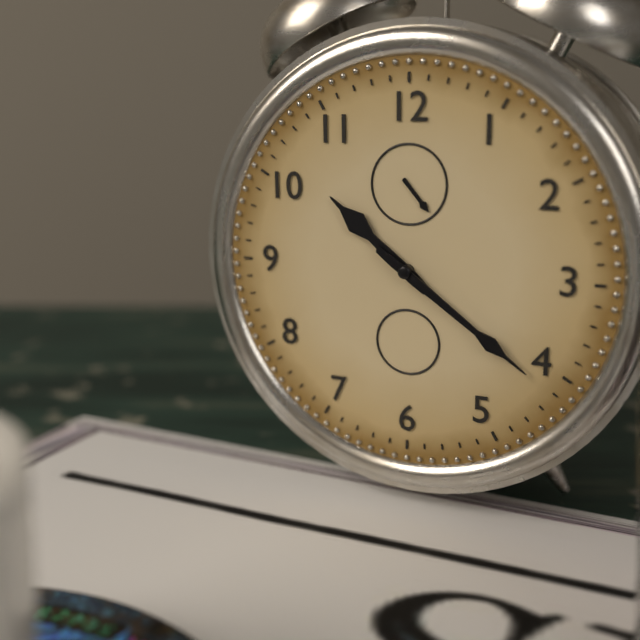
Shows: {"hour": 10, "minute": 21}
